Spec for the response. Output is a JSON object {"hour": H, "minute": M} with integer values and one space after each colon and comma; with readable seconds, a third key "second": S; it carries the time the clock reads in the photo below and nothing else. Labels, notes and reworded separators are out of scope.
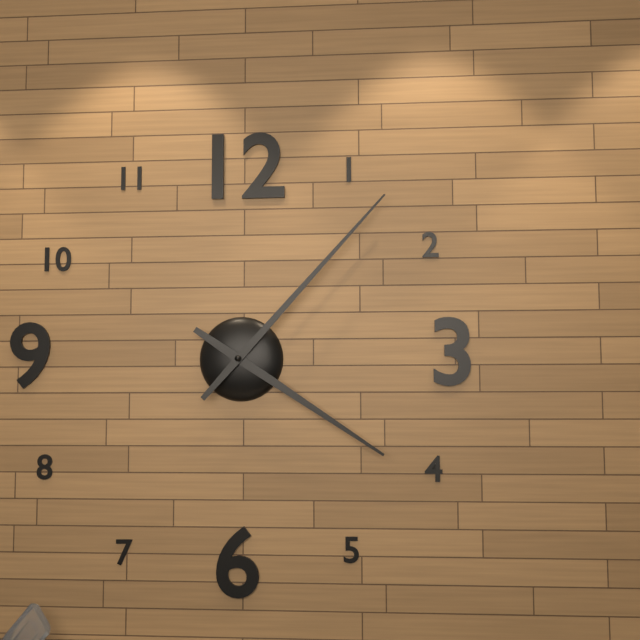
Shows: {"hour": 4, "minute": 7}
